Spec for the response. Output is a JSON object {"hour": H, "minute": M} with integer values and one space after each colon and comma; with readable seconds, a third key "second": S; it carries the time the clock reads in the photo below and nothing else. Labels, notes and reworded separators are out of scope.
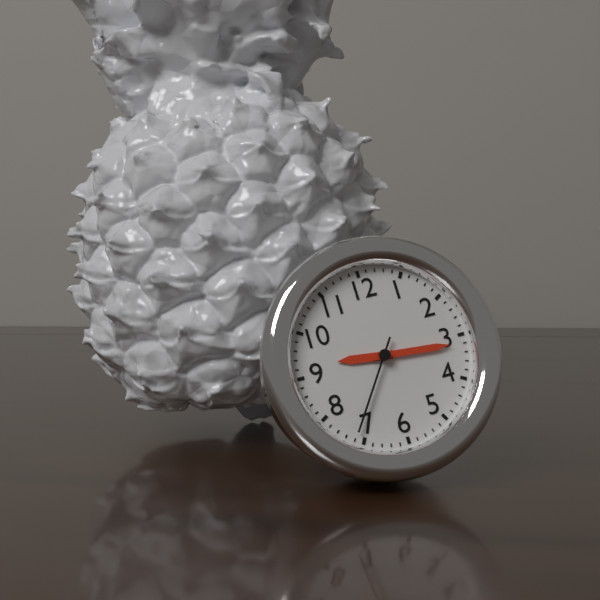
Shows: {"hour": 9, "minute": 16, "second": 36}
